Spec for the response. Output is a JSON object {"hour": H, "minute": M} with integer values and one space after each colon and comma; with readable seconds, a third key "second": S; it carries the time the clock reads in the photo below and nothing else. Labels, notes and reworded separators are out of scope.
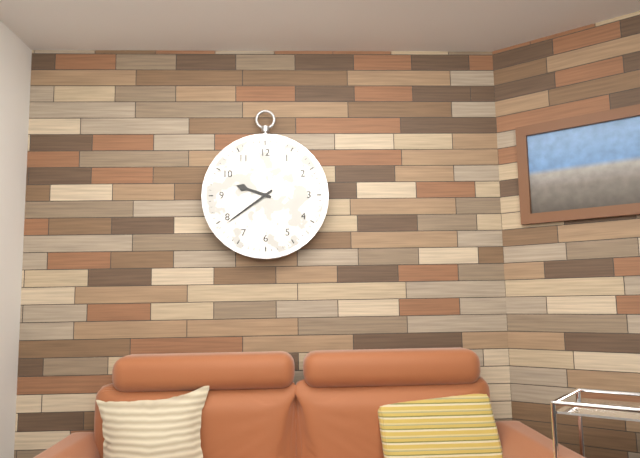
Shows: {"hour": 9, "minute": 39}
